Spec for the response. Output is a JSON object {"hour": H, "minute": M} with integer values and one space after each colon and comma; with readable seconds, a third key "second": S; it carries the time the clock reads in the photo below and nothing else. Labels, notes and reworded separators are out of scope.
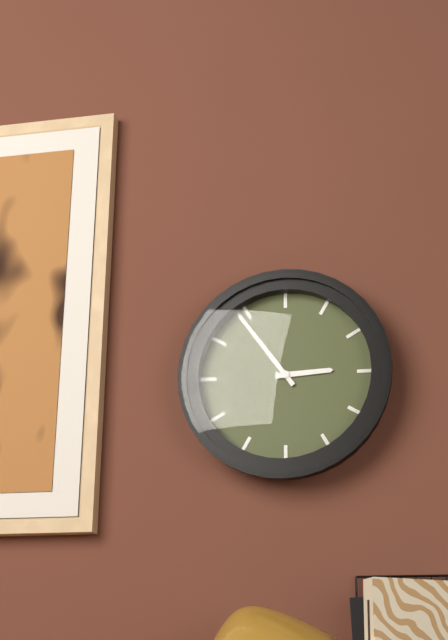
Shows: {"hour": 2, "minute": 54}
